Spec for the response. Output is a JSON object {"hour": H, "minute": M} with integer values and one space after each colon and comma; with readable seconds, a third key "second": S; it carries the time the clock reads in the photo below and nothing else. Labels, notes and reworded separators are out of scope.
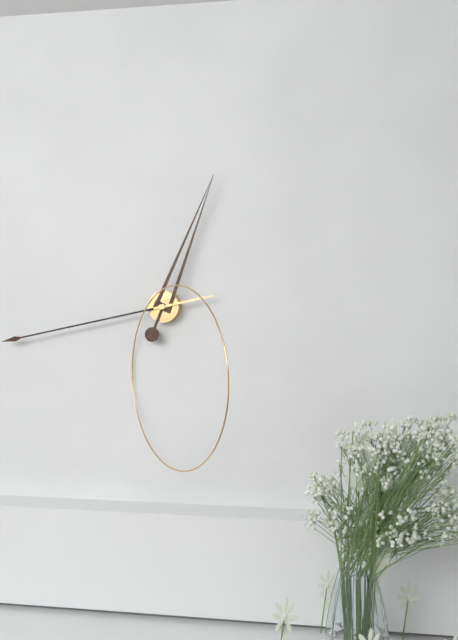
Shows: {"hour": 12, "minute": 43}
